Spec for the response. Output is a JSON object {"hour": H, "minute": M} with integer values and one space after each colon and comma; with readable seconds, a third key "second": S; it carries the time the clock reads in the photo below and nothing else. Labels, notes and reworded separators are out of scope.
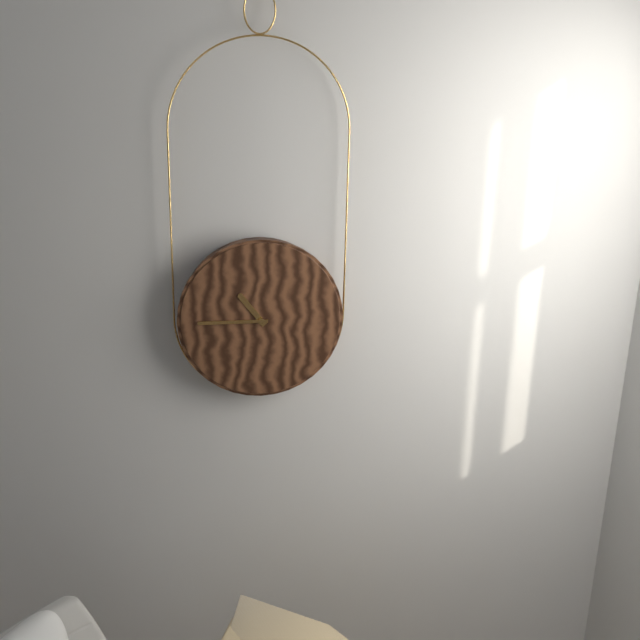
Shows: {"hour": 10, "minute": 45}
